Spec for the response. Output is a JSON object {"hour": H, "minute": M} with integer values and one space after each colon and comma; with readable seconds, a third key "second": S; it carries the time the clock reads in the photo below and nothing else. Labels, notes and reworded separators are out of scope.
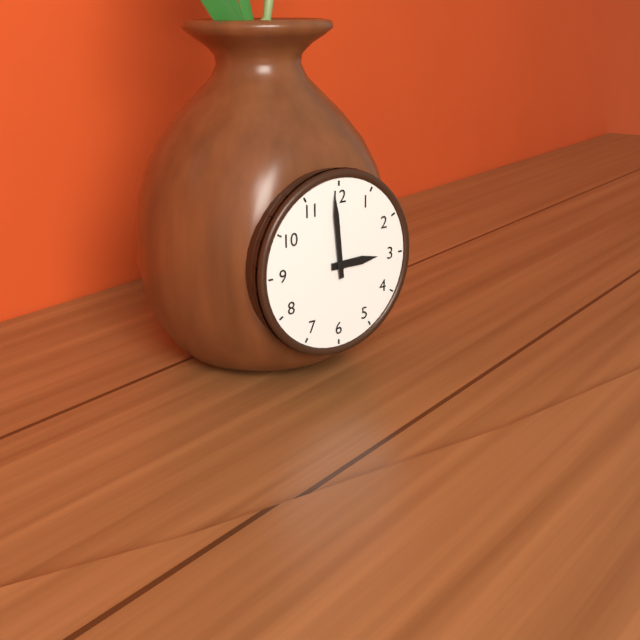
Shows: {"hour": 2, "minute": 59}
